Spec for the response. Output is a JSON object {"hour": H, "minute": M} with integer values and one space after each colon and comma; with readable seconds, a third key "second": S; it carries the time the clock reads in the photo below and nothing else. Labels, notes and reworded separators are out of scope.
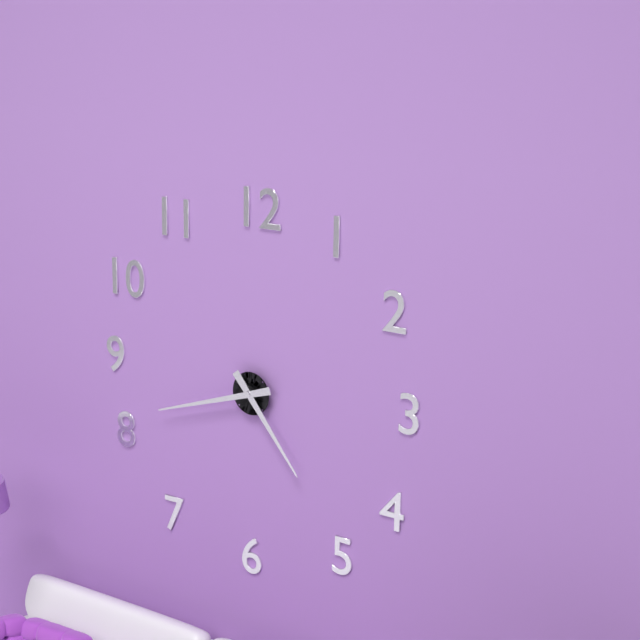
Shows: {"hour": 4, "minute": 42}
